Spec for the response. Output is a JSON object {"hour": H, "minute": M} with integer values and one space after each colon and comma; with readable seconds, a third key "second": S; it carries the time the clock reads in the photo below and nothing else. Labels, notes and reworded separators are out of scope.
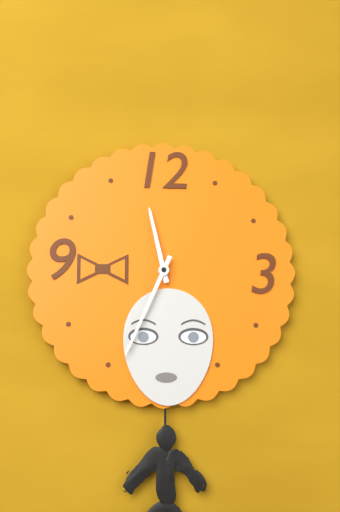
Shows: {"hour": 11, "minute": 34}
